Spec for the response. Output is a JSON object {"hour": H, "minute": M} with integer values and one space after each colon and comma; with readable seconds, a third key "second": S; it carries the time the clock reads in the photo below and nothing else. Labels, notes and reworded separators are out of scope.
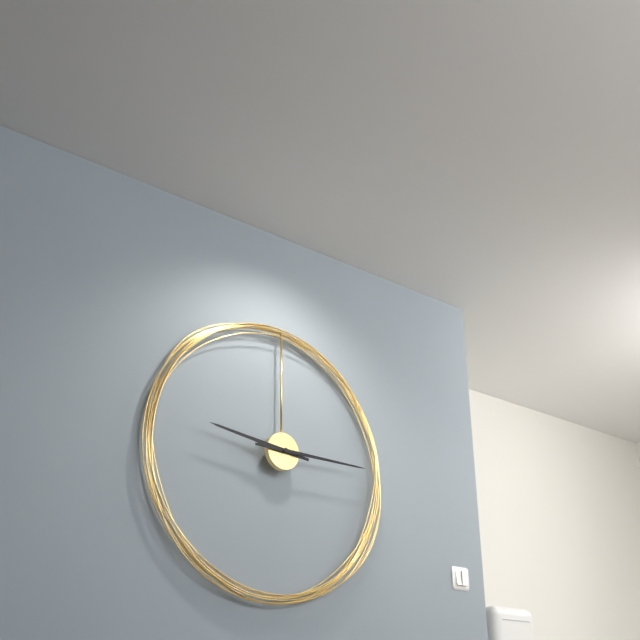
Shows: {"hour": 9, "minute": 15}
